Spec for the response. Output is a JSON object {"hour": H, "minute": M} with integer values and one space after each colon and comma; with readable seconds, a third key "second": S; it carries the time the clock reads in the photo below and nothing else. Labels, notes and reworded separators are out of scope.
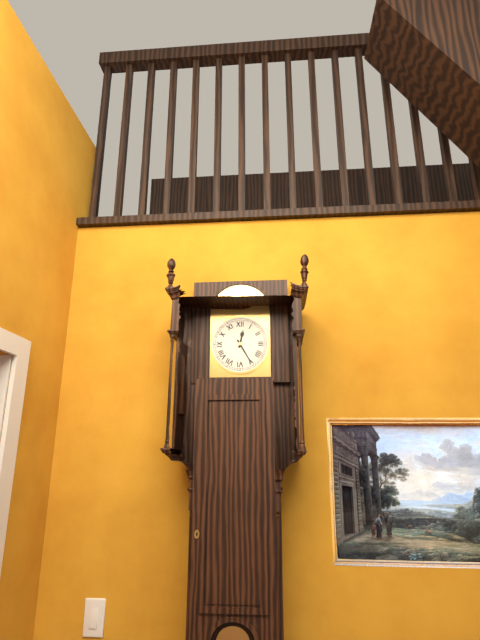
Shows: {"hour": 12, "minute": 25}
